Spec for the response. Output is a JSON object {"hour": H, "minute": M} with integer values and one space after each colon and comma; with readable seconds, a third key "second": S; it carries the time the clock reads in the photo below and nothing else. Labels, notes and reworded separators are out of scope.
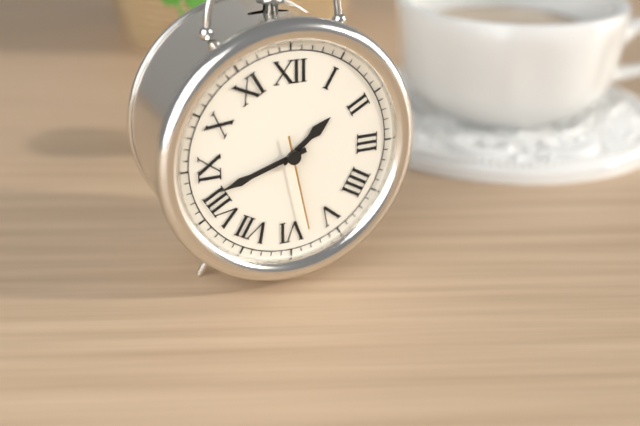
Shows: {"hour": 1, "minute": 42, "second": 28}
